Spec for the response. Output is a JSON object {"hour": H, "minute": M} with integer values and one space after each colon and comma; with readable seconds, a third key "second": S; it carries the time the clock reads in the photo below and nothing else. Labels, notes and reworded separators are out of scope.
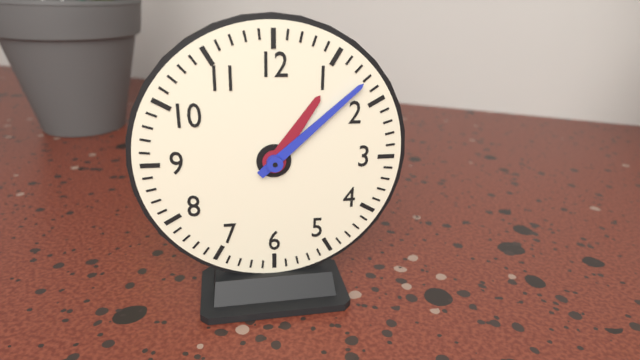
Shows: {"hour": 1, "minute": 8}
